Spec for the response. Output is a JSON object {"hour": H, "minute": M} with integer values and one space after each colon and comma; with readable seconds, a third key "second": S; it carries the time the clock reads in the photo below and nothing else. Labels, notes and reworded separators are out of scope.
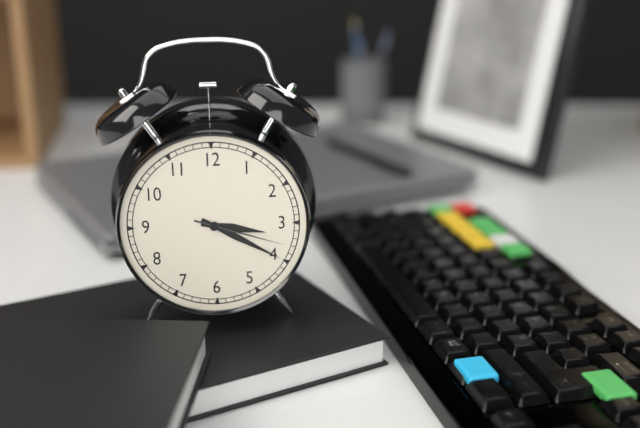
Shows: {"hour": 3, "minute": 20, "second": 18}
